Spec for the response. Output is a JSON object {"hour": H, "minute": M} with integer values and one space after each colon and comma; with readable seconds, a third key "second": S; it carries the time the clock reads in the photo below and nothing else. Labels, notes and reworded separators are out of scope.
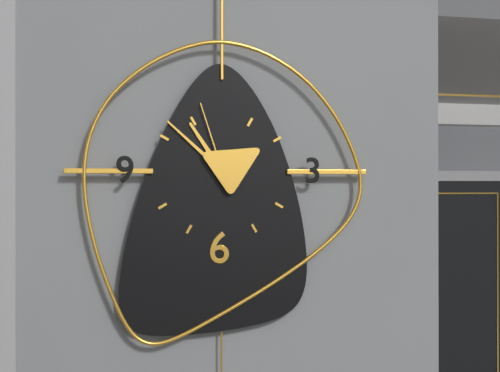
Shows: {"hour": 10, "minute": 52, "second": 57}
